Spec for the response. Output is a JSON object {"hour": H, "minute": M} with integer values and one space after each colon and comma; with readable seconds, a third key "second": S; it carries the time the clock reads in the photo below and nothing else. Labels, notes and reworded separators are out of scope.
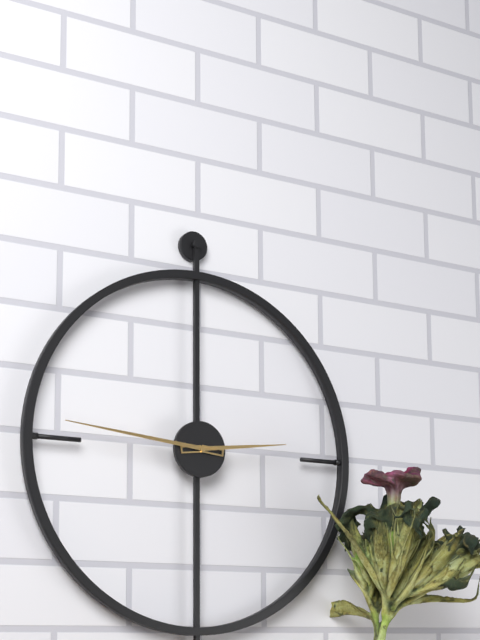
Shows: {"hour": 2, "minute": 46}
